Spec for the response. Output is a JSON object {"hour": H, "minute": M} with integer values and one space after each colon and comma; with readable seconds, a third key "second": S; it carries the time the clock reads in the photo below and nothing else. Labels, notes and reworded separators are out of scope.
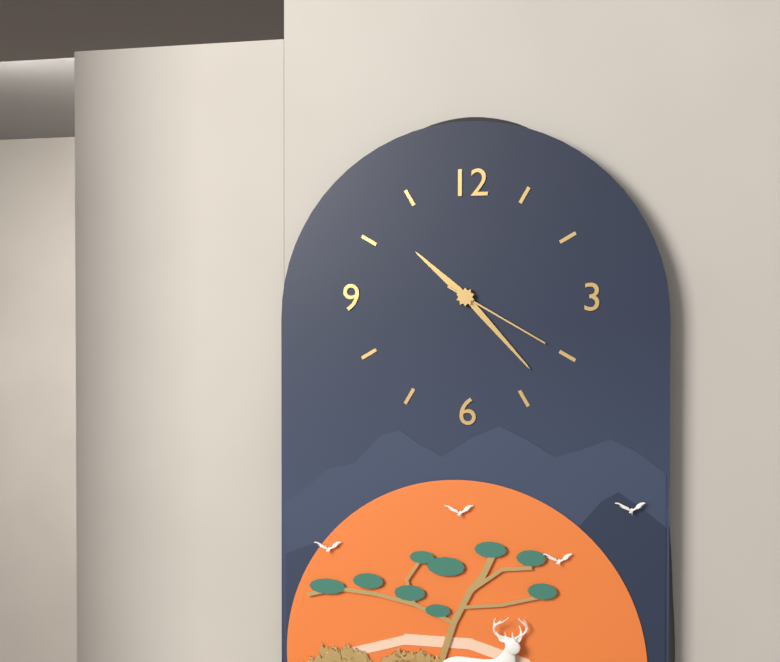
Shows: {"hour": 10, "minute": 23, "second": 20}
